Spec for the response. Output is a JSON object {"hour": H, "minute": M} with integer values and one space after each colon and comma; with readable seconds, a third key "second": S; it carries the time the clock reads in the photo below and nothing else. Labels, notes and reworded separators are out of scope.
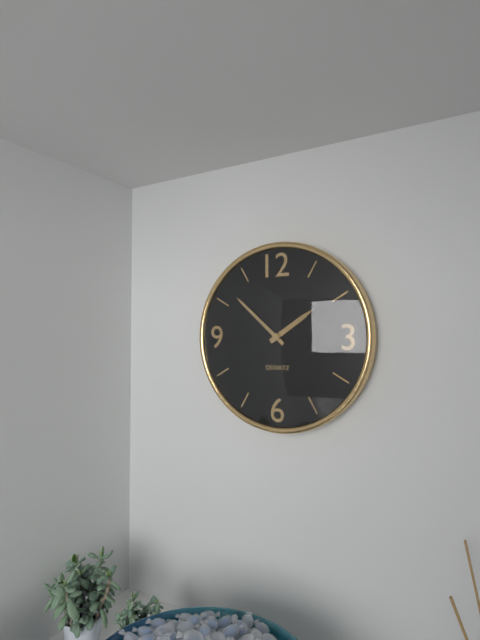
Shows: {"hour": 1, "minute": 52}
